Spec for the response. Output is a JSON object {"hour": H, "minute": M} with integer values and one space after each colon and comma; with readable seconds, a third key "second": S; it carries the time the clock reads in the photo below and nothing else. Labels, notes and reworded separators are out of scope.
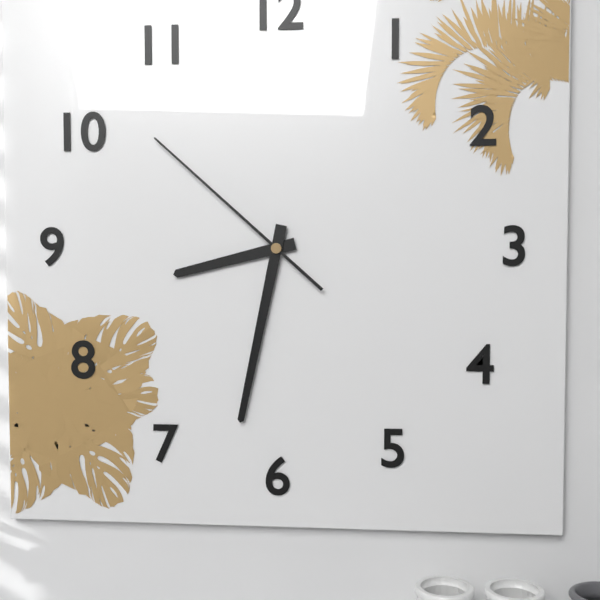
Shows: {"hour": 8, "minute": 32, "second": 52}
